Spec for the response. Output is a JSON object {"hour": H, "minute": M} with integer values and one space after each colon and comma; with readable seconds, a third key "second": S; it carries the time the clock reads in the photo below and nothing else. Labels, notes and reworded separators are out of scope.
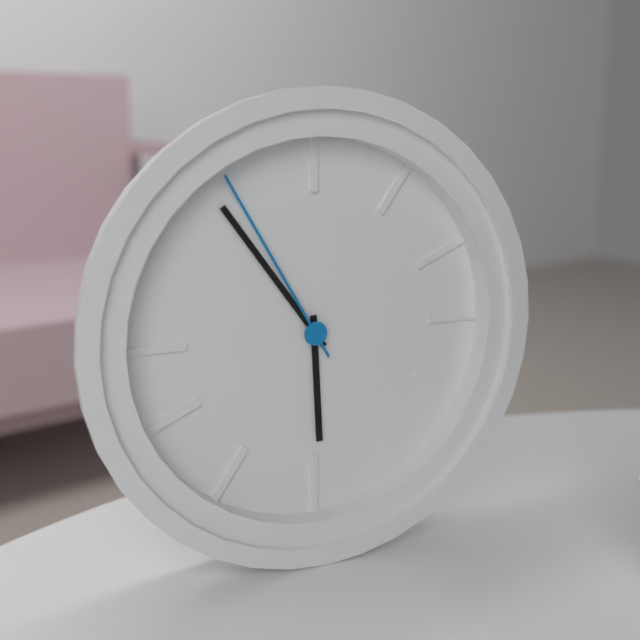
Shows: {"hour": 5, "minute": 54, "second": 55}
